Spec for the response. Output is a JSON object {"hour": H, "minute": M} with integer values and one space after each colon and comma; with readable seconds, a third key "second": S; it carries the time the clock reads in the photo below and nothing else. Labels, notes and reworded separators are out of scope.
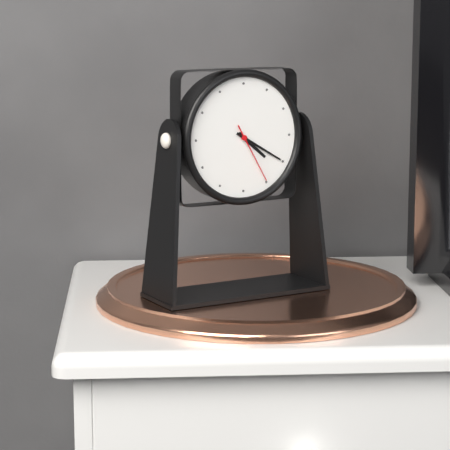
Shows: {"hour": 4, "minute": 20, "second": 25}
